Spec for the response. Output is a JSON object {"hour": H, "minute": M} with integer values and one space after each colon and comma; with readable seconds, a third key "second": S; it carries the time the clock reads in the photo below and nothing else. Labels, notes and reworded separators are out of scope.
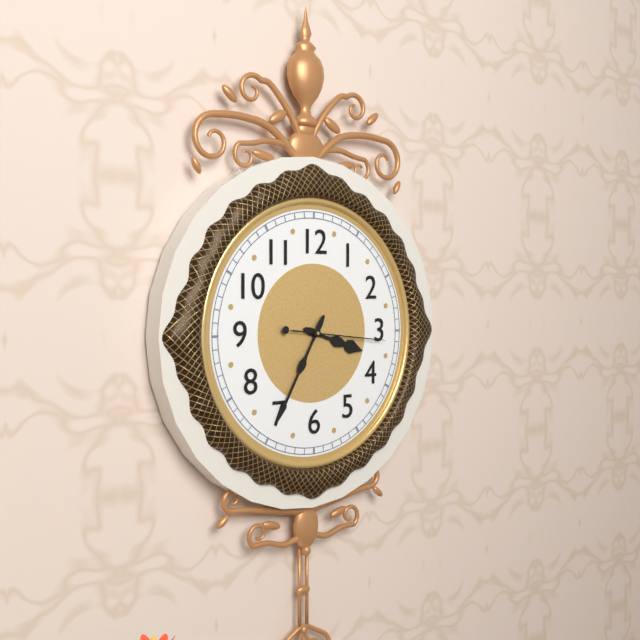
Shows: {"hour": 3, "minute": 35, "second": 16}
